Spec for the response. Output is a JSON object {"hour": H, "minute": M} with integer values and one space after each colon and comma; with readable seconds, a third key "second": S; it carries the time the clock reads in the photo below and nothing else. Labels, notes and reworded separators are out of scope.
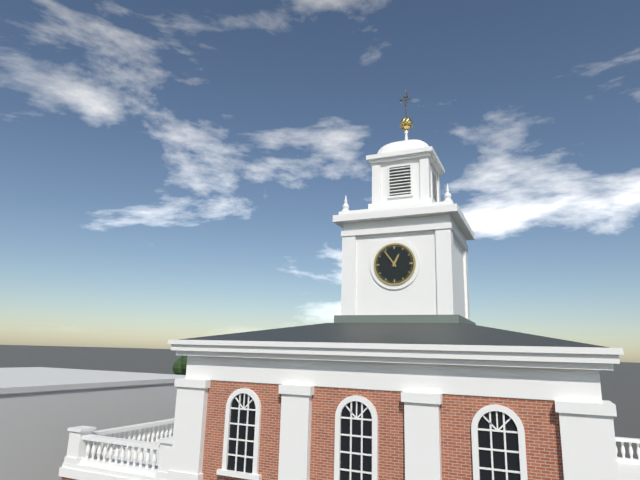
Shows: {"hour": 12, "minute": 54}
